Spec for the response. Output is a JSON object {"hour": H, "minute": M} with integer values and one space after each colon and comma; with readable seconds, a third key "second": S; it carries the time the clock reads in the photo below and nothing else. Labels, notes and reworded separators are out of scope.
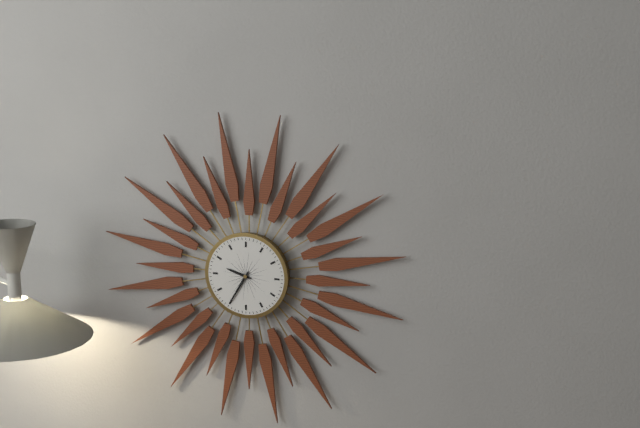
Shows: {"hour": 9, "minute": 35}
